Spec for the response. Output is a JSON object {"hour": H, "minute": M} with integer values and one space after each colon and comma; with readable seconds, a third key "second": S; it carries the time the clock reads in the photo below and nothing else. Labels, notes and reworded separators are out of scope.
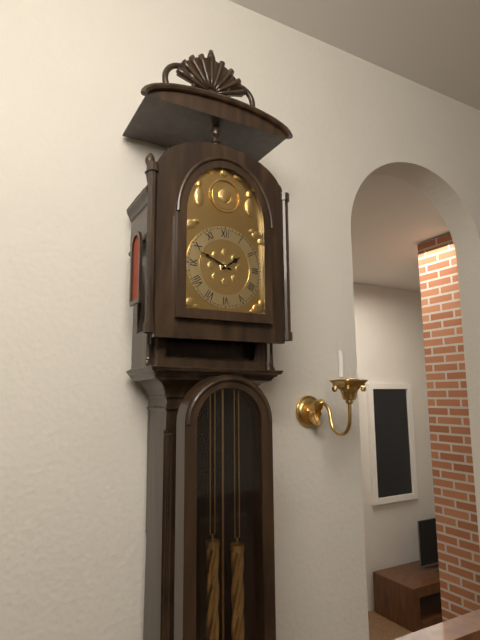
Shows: {"hour": 1, "minute": 49}
